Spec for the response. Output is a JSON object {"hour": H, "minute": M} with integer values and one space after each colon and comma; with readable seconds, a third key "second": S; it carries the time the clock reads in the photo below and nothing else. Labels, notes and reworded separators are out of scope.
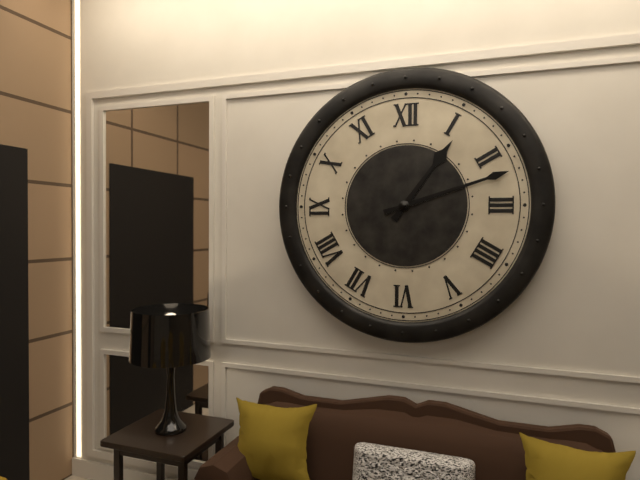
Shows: {"hour": 1, "minute": 12}
